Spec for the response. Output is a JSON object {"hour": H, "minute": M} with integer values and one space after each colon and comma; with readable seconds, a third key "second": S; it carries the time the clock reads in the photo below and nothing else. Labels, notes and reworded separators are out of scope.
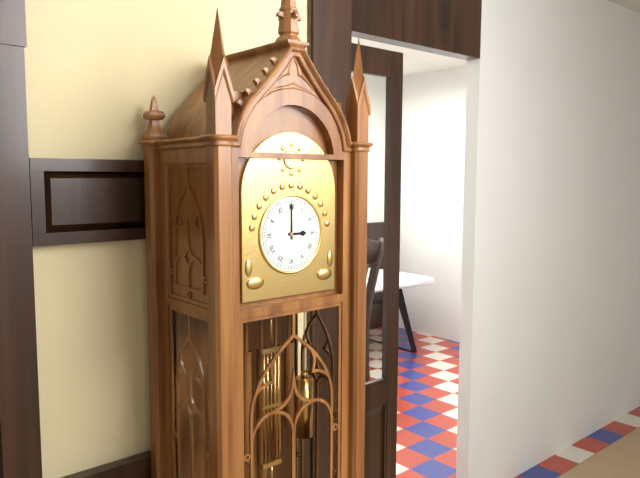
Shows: {"hour": 3, "minute": 0}
